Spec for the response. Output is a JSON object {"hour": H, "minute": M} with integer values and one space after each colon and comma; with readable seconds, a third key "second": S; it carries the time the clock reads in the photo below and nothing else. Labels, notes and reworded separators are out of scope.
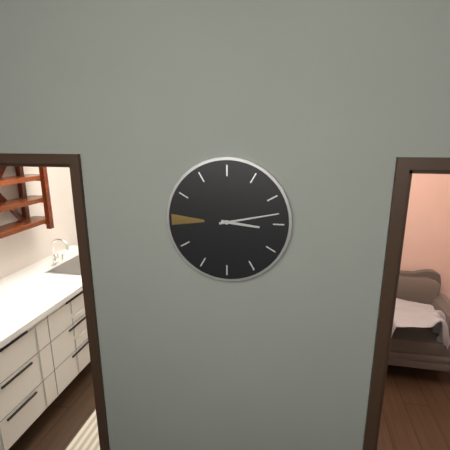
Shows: {"hour": 3, "minute": 13}
